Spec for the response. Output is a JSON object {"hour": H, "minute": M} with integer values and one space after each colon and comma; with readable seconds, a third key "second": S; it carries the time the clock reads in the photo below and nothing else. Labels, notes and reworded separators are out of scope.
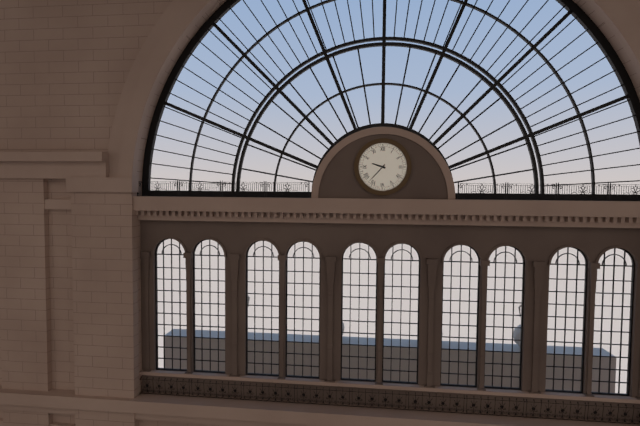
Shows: {"hour": 9, "minute": 37}
